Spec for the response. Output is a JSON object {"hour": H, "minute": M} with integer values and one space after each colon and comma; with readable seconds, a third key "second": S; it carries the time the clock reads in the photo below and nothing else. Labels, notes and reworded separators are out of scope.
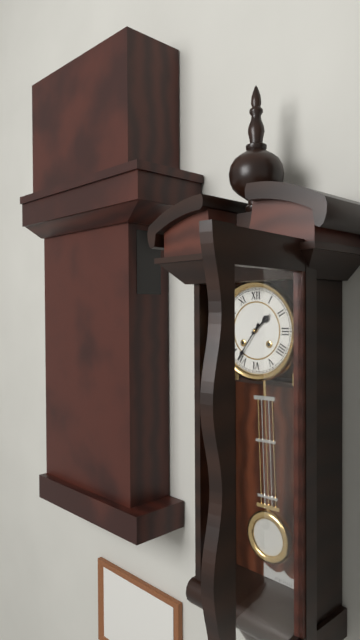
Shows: {"hour": 1, "minute": 36}
